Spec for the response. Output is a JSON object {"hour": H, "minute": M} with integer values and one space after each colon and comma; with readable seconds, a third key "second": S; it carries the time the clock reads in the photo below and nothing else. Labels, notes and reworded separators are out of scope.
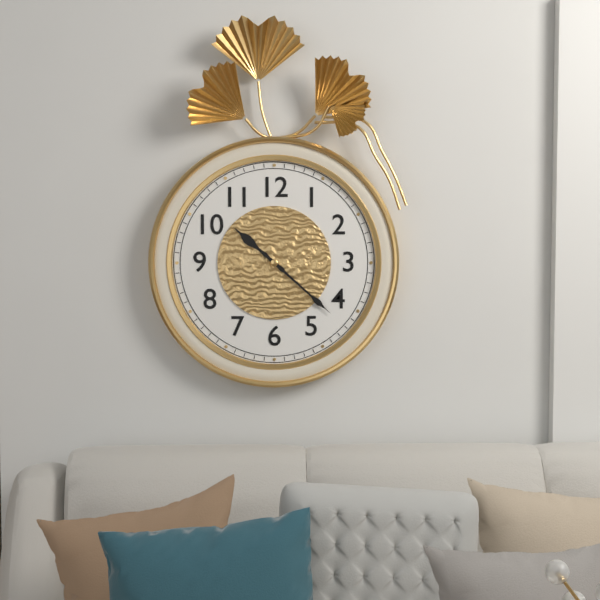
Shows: {"hour": 10, "minute": 22}
